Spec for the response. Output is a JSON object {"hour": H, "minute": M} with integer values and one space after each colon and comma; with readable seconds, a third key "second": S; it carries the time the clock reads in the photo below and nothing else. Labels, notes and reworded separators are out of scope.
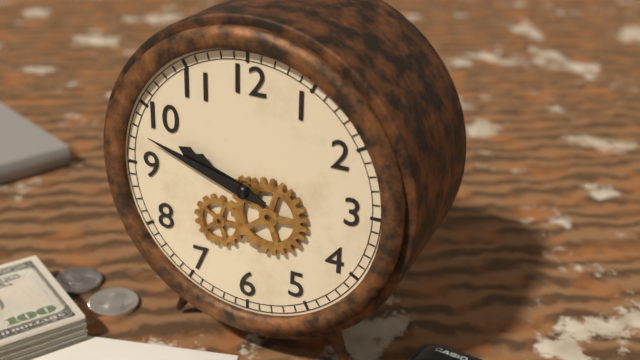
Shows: {"hour": 9, "minute": 48}
